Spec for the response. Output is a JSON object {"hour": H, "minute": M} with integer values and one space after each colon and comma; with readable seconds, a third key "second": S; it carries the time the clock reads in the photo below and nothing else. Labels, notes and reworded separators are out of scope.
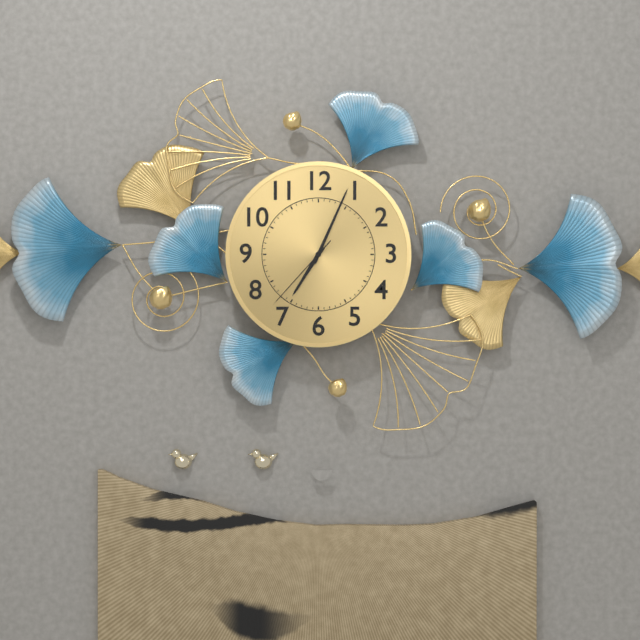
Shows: {"hour": 7, "minute": 4, "second": 37}
